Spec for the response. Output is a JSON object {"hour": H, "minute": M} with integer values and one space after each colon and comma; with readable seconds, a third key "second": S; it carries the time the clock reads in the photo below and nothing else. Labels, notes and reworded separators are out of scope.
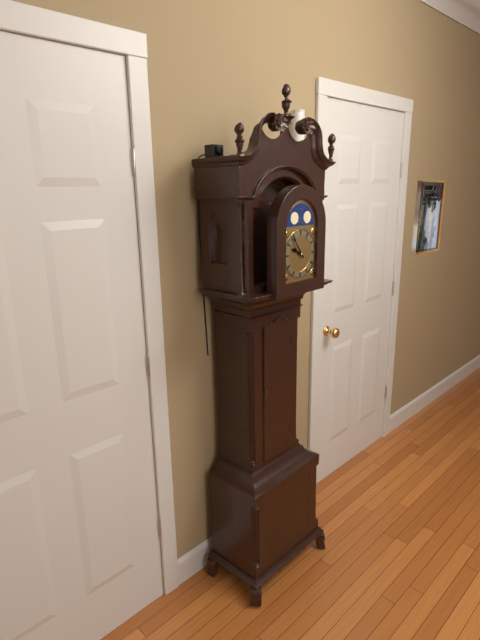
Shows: {"hour": 9, "minute": 54}
